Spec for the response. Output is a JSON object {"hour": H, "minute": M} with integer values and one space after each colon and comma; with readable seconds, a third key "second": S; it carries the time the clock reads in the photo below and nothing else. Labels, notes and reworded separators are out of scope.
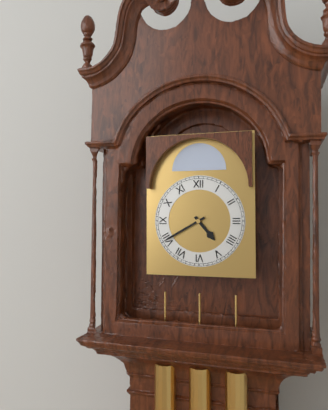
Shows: {"hour": 4, "minute": 40}
